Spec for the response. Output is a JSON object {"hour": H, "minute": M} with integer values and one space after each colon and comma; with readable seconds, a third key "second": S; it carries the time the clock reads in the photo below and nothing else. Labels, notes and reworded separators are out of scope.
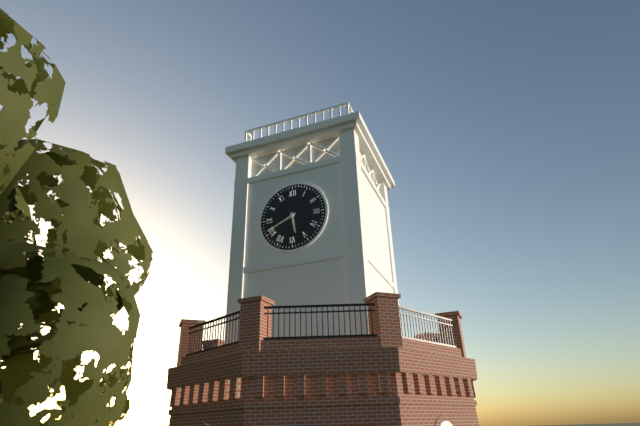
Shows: {"hour": 5, "minute": 41}
